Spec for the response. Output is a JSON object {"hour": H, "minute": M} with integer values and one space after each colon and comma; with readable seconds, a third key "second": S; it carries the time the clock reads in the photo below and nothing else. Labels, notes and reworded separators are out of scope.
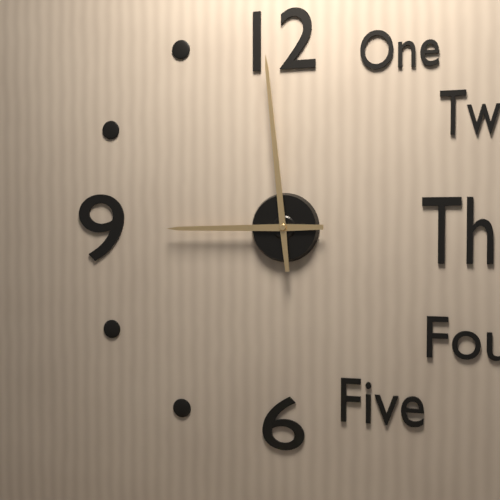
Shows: {"hour": 8, "minute": 59}
